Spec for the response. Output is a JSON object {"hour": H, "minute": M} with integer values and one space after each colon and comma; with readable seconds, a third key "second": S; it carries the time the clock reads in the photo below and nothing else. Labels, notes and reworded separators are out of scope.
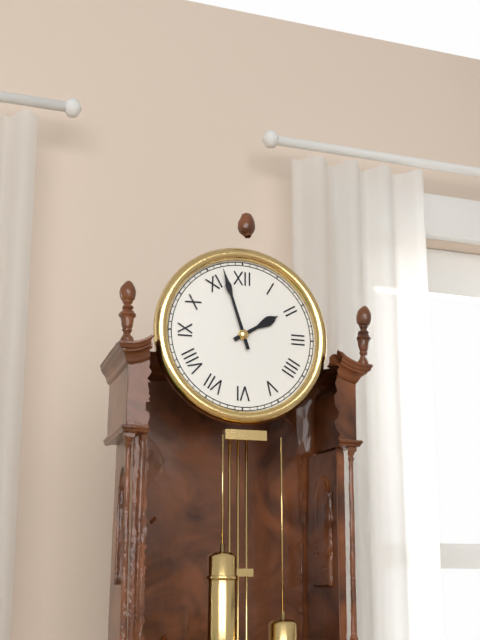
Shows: {"hour": 1, "minute": 57}
